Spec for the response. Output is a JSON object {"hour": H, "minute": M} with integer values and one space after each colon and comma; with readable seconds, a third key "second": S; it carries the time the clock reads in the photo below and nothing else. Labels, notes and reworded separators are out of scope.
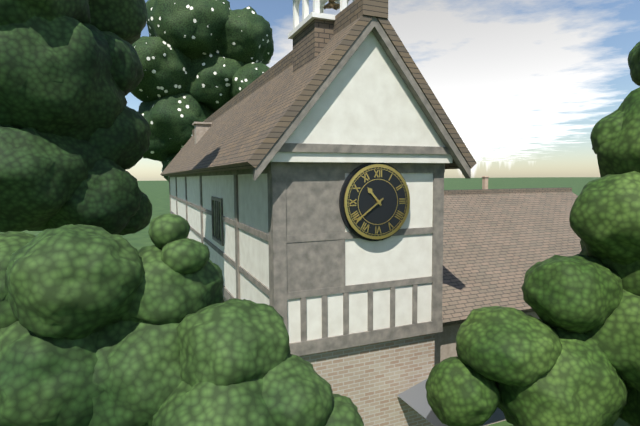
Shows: {"hour": 10, "minute": 39}
